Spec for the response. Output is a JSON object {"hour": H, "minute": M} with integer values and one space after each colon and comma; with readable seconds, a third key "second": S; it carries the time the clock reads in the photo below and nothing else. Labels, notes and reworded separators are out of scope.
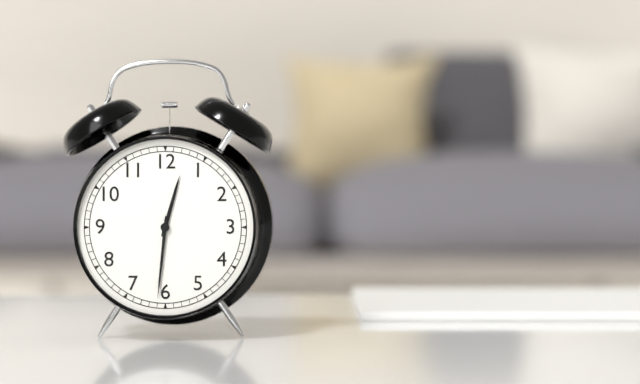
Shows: {"hour": 12, "minute": 31}
